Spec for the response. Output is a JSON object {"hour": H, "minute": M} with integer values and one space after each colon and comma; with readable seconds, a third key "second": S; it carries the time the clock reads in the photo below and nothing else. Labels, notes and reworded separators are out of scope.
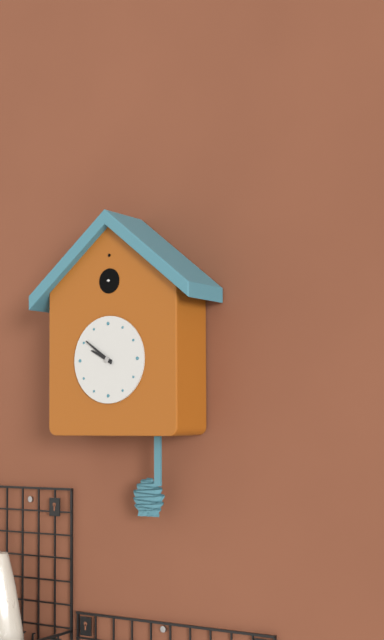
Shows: {"hour": 9, "minute": 51}
